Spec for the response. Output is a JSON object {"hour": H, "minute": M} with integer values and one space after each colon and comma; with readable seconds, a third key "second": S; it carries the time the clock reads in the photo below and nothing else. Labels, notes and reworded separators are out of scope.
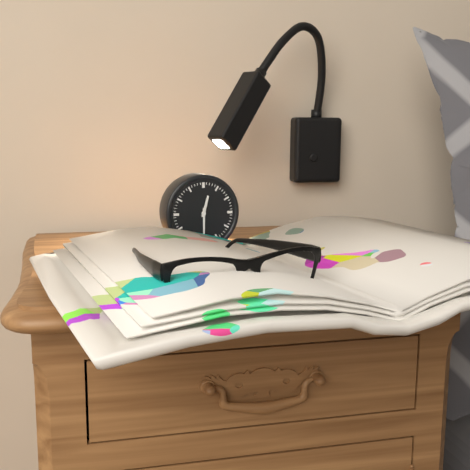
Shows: {"hour": 12, "minute": 30}
